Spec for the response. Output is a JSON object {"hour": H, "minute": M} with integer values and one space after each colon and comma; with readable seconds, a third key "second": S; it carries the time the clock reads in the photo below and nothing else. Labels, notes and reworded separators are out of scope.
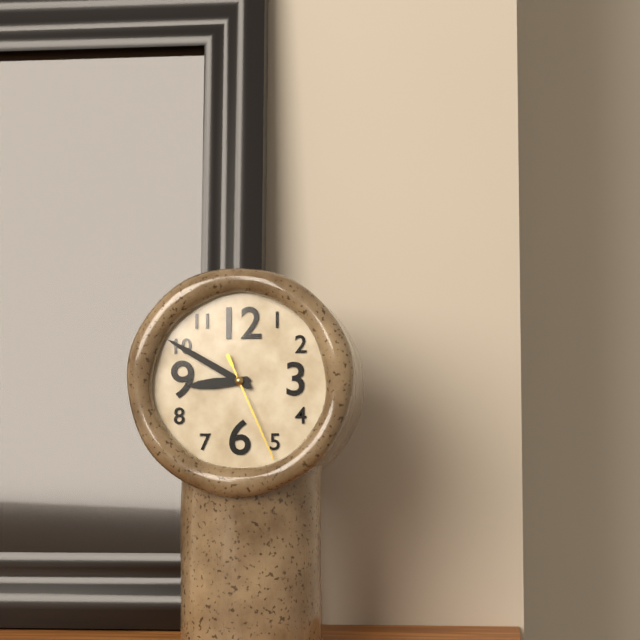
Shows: {"hour": 8, "minute": 50, "second": 26}
